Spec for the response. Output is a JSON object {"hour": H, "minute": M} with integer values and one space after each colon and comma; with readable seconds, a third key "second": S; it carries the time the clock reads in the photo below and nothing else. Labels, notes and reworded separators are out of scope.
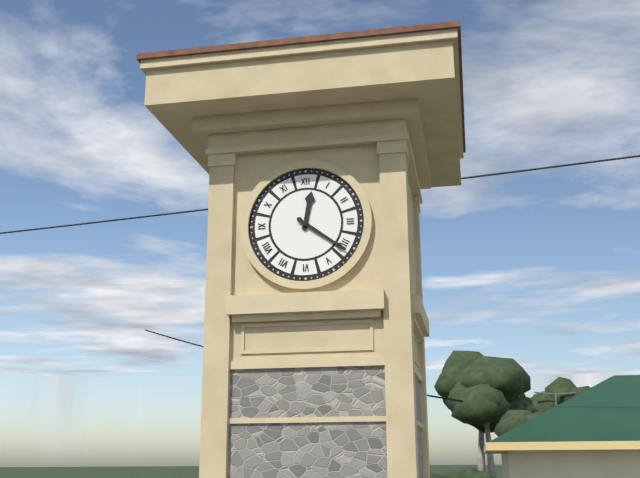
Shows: {"hour": 12, "minute": 21}
